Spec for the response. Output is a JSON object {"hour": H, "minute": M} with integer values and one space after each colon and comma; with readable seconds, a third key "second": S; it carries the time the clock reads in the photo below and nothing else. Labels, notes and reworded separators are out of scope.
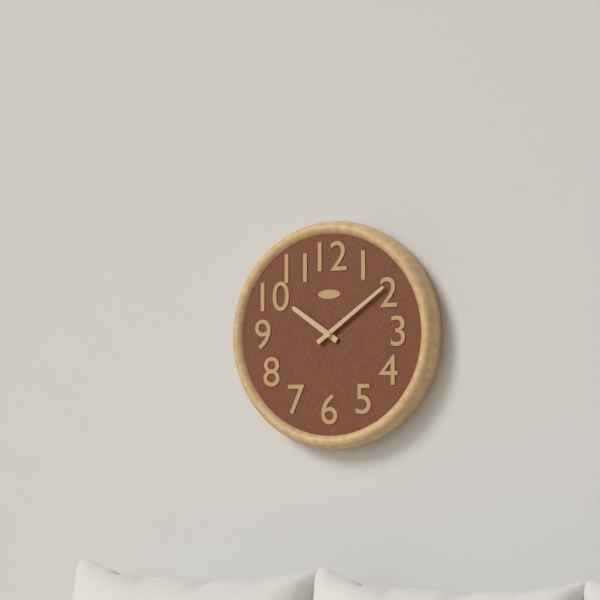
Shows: {"hour": 10, "minute": 9}
